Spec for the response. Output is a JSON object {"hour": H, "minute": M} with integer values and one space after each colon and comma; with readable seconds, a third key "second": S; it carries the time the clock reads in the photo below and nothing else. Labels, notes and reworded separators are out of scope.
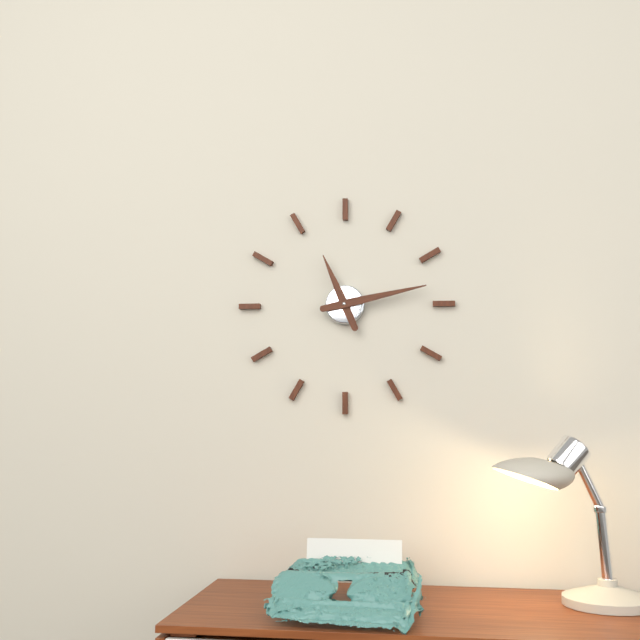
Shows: {"hour": 11, "minute": 13}
